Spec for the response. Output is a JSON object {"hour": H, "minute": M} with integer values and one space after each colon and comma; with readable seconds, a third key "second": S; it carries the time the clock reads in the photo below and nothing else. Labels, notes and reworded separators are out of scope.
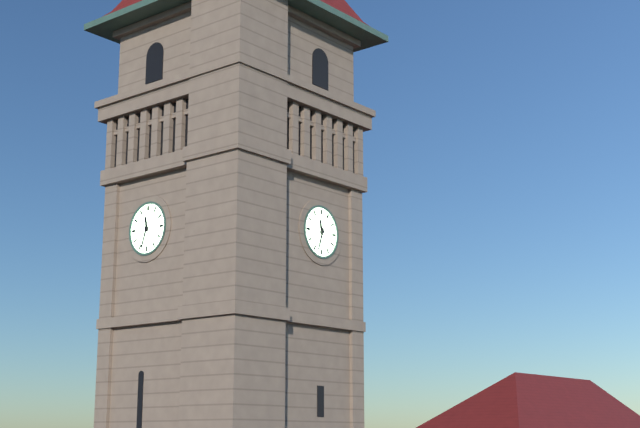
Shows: {"hour": 11, "minute": 33}
